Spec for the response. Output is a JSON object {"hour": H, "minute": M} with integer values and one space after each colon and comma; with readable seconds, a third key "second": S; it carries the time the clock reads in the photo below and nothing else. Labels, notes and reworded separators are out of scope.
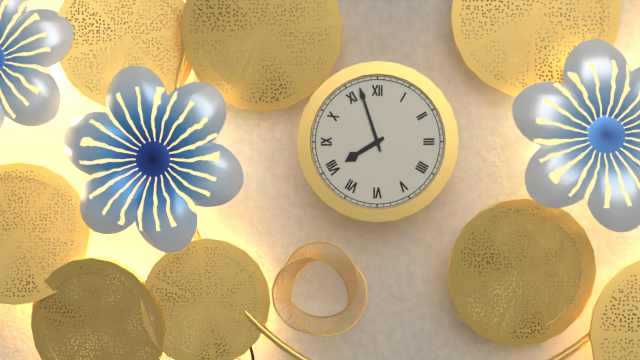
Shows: {"hour": 7, "minute": 57}
